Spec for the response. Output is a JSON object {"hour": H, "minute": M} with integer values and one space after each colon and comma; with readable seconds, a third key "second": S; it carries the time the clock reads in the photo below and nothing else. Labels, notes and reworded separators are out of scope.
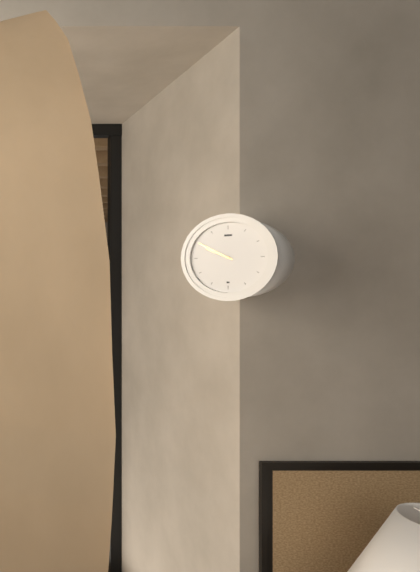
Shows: {"hour": 9, "minute": 50}
